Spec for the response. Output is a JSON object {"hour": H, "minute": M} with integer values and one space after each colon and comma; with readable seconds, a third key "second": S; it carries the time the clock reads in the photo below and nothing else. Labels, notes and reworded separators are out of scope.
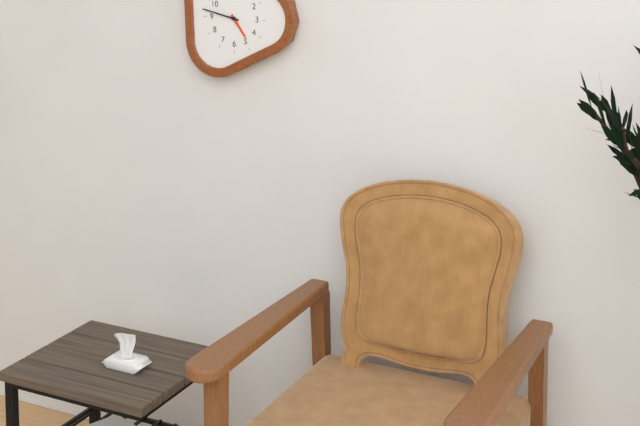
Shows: {"hour": 4, "minute": 47}
